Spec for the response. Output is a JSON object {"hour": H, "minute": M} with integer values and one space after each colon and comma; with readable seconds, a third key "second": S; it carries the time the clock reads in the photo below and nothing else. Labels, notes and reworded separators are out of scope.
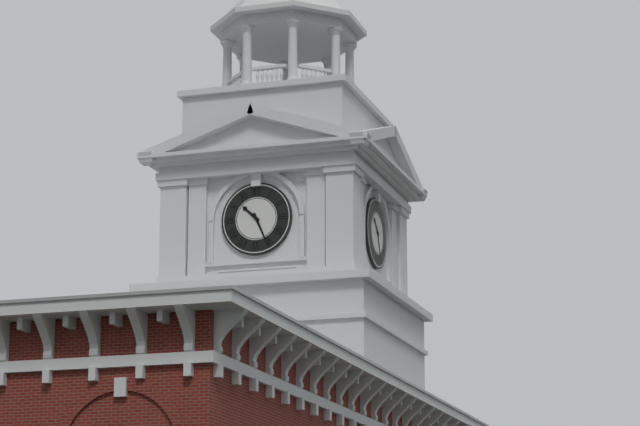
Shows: {"hour": 10, "minute": 26}
